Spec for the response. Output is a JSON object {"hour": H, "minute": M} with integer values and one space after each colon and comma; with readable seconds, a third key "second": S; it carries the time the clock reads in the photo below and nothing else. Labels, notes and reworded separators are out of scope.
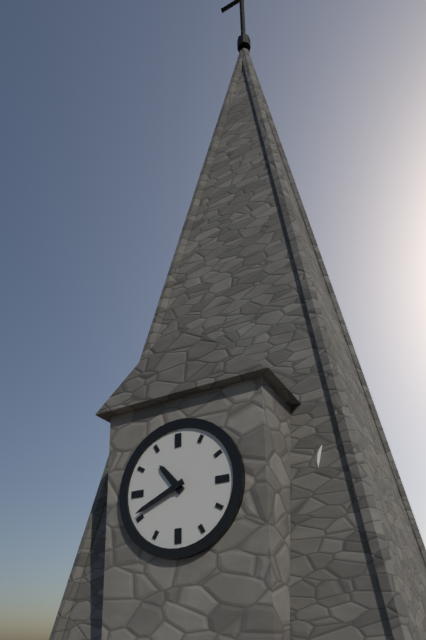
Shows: {"hour": 10, "minute": 41}
